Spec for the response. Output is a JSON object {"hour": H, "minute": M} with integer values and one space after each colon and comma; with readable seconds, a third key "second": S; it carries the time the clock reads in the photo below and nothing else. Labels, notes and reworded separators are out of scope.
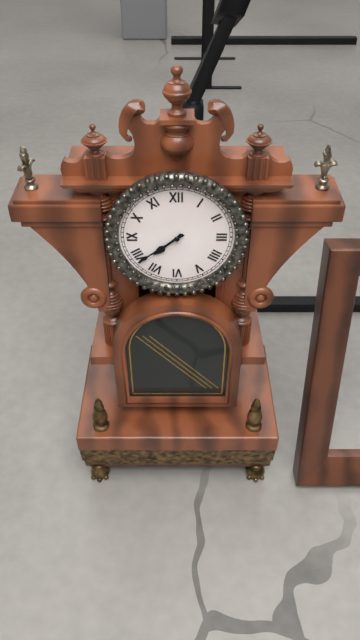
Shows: {"hour": 7, "minute": 39}
